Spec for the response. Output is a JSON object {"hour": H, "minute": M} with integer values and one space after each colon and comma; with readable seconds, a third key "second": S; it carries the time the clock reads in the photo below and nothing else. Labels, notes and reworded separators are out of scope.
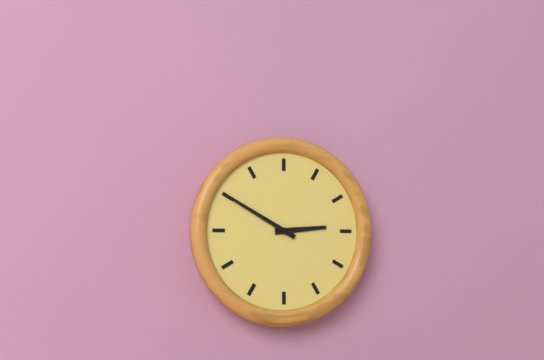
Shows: {"hour": 2, "minute": 50}
